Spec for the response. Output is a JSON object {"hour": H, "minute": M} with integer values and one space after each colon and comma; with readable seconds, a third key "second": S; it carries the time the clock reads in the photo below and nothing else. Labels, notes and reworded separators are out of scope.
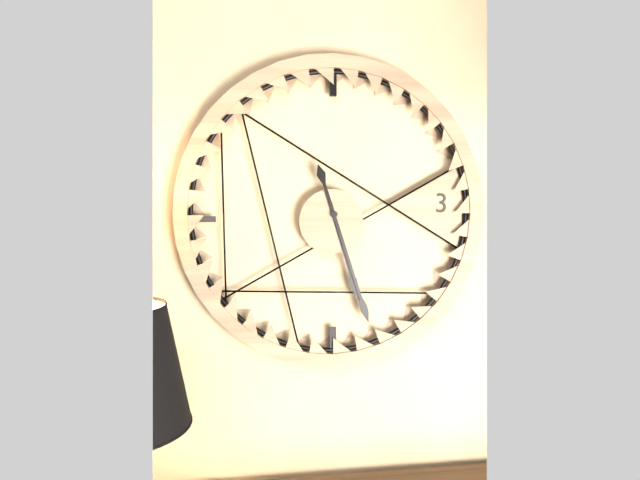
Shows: {"hour": 5, "minute": 27}
